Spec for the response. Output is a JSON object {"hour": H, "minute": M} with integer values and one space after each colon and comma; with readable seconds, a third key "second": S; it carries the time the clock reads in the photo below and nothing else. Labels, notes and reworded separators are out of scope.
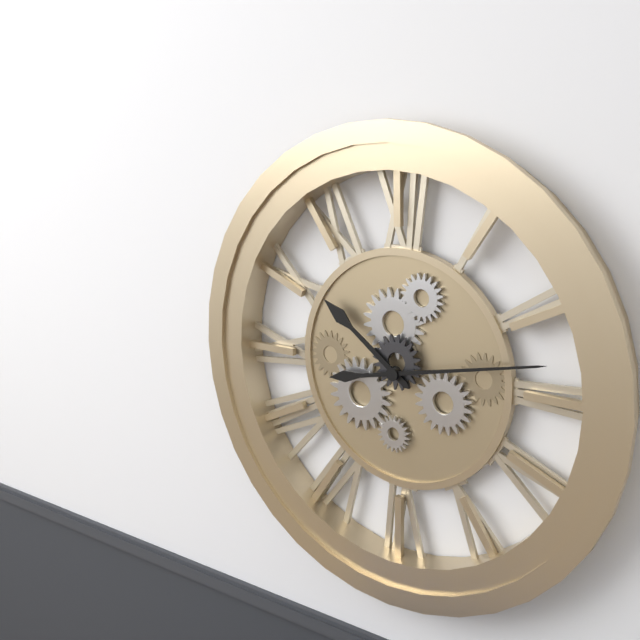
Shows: {"hour": 10, "minute": 13}
